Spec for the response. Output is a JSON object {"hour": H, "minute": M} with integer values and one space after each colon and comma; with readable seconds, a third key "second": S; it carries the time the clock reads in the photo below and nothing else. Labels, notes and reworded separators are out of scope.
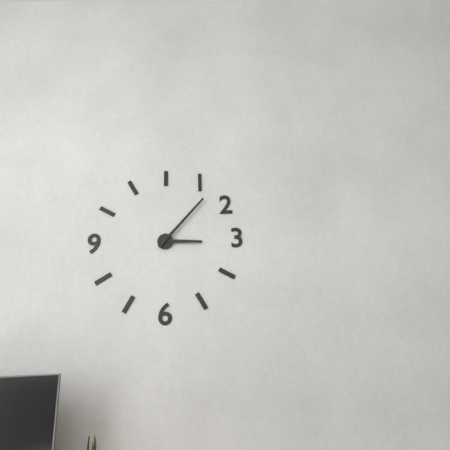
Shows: {"hour": 3, "minute": 7}
